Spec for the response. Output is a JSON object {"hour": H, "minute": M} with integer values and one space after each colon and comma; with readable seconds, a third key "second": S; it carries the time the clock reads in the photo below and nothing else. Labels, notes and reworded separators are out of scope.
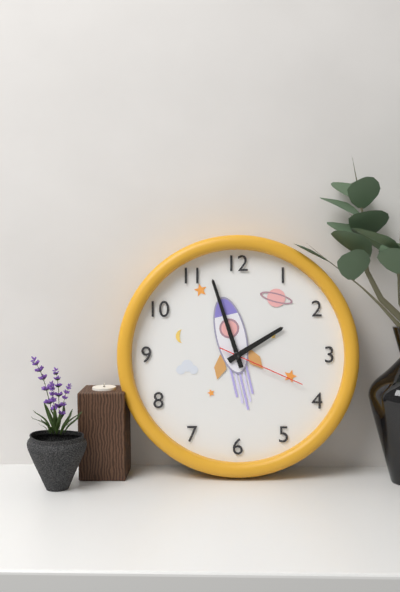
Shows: {"hour": 1, "minute": 57, "second": 19}
